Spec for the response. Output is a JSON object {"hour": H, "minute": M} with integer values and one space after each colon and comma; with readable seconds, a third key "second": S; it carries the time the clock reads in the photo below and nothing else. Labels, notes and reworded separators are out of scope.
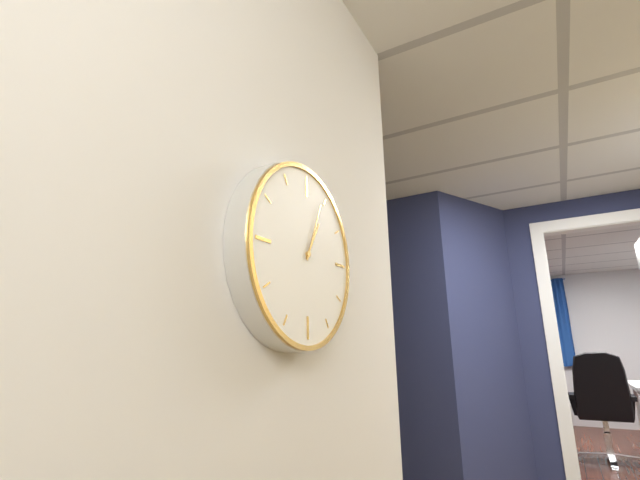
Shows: {"hour": 1, "minute": 4}
